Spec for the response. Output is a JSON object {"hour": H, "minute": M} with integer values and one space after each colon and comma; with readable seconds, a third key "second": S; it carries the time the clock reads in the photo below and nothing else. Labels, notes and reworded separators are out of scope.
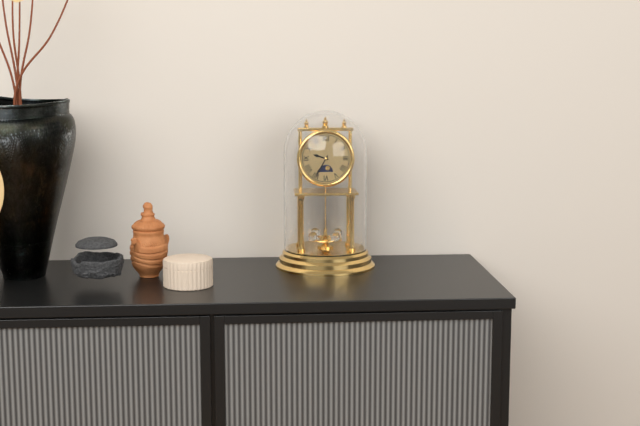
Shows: {"hour": 9, "minute": 35}
